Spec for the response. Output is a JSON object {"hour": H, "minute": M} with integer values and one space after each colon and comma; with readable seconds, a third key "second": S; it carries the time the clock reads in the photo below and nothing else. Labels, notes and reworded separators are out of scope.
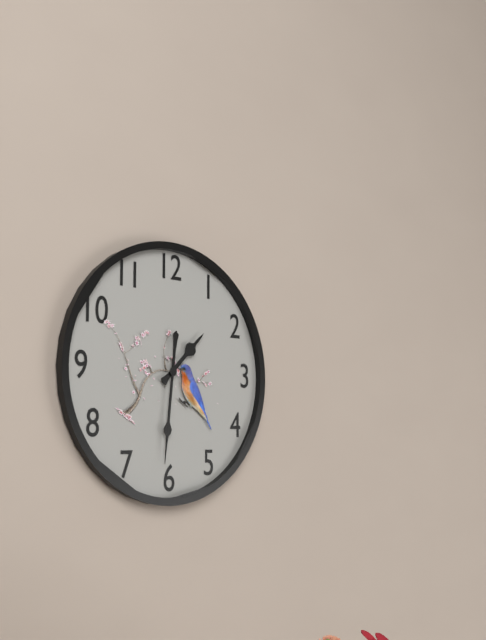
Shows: {"hour": 1, "minute": 31}
